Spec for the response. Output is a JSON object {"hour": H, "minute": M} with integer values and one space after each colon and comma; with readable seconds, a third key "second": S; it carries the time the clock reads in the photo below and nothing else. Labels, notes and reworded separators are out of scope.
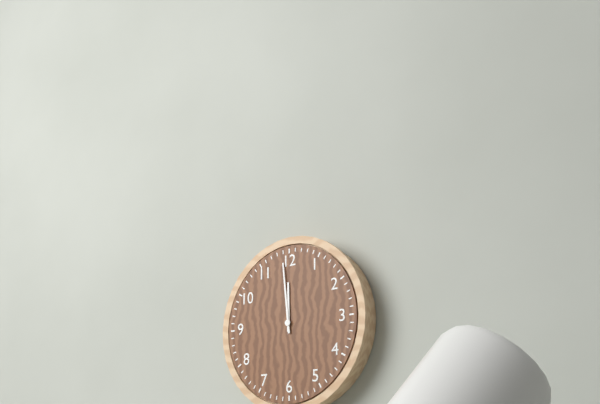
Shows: {"hour": 11, "minute": 59}
